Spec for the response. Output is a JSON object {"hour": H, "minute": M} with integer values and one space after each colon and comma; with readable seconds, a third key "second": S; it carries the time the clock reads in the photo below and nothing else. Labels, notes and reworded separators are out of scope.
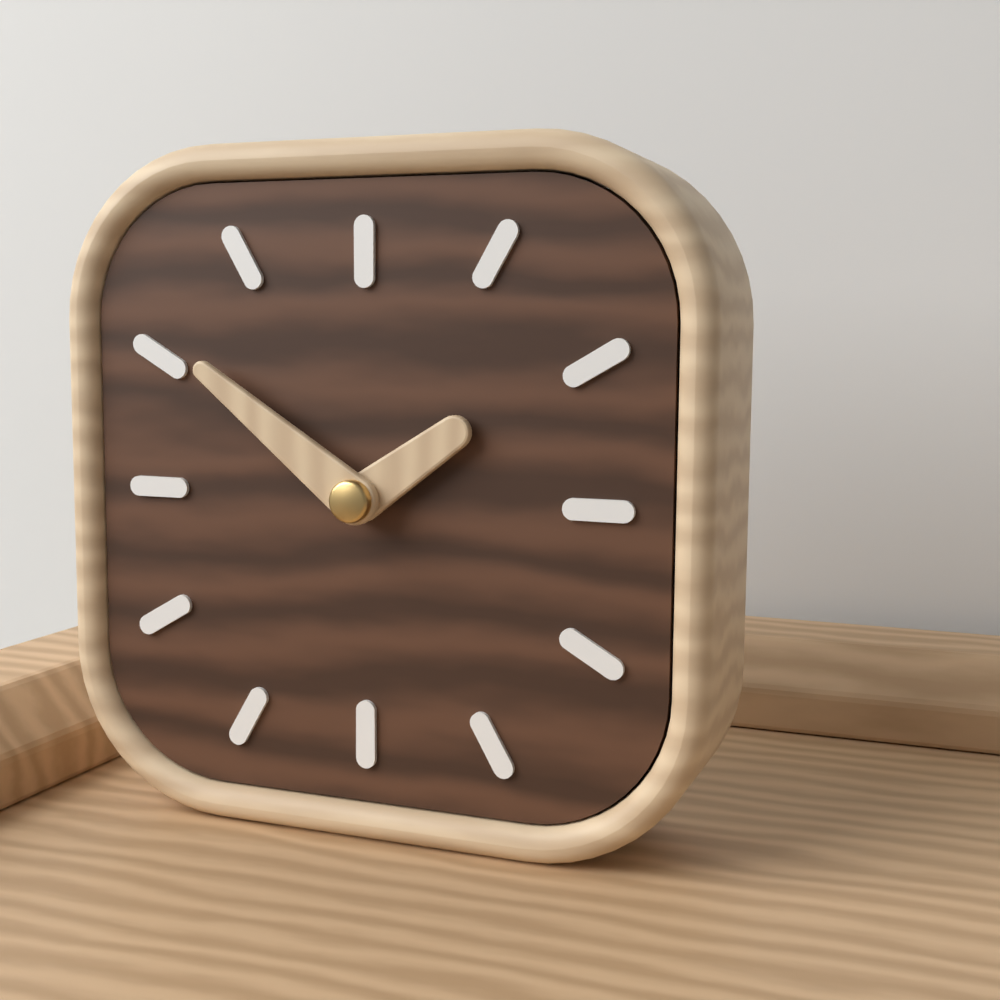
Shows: {"hour": 1, "minute": 51}
